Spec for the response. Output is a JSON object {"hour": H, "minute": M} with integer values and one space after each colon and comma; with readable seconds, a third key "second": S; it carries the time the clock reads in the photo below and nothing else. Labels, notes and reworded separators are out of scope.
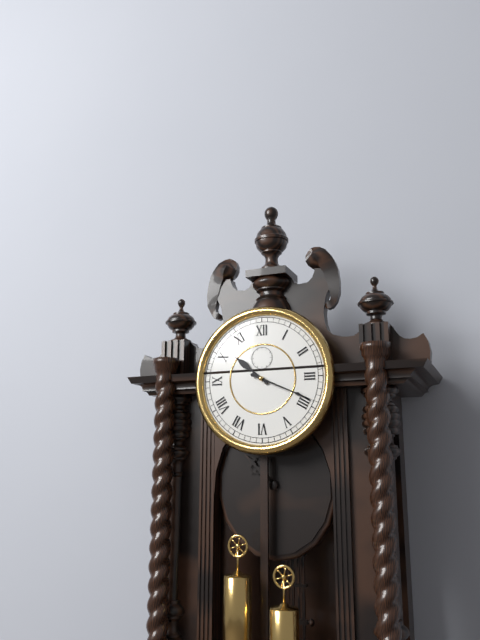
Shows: {"hour": 10, "minute": 19}
